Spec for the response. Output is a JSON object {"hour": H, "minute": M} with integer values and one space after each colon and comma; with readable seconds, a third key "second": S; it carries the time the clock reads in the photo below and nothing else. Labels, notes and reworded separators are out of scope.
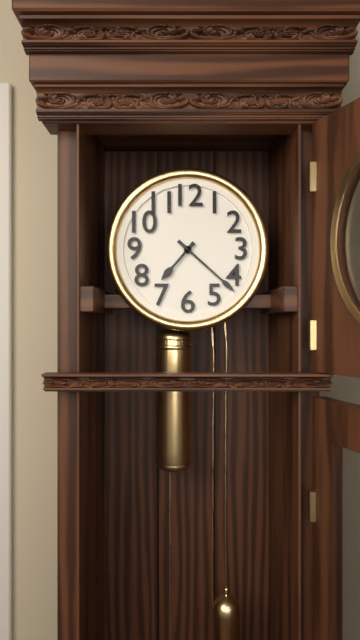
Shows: {"hour": 7, "minute": 22}
